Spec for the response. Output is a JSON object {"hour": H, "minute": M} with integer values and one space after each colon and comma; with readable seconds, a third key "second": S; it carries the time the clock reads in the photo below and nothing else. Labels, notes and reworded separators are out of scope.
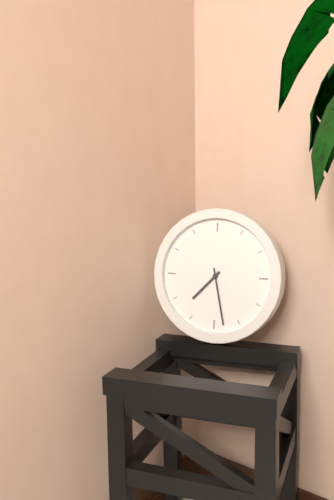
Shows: {"hour": 7, "minute": 28}
